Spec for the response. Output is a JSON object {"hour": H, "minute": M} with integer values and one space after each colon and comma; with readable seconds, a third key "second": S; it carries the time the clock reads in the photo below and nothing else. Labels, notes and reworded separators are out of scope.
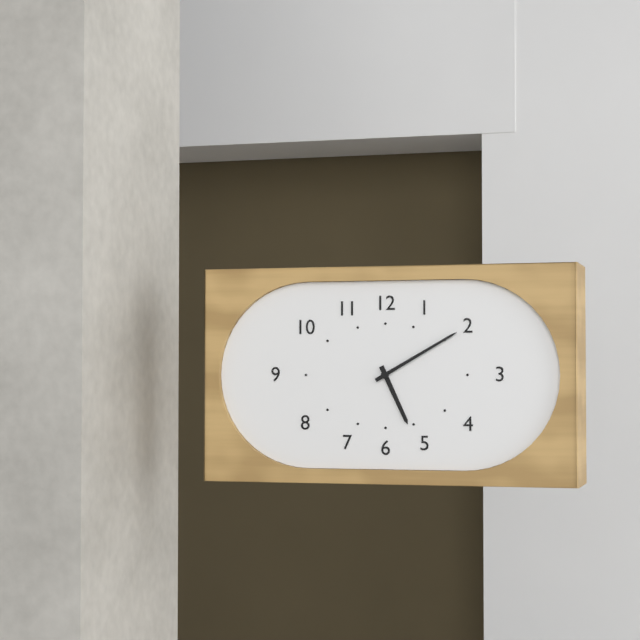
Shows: {"hour": 5, "minute": 10}
